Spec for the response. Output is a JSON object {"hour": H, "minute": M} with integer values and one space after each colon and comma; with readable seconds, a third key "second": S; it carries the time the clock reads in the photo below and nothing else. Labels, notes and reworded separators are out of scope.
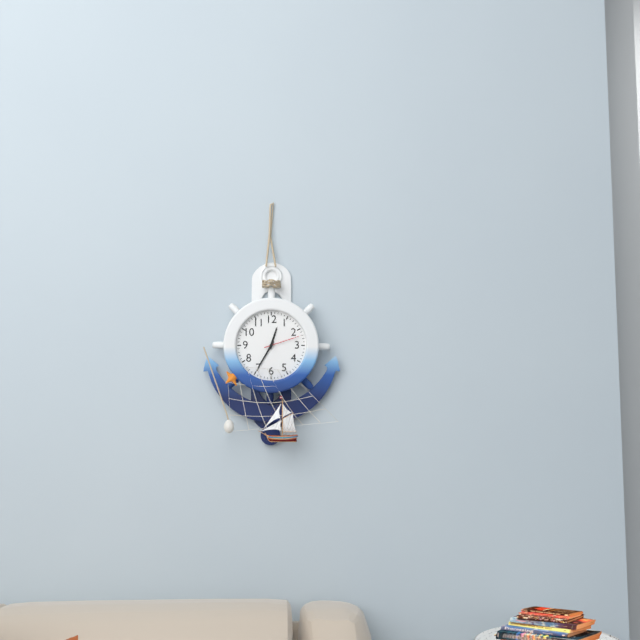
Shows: {"hour": 12, "minute": 35}
